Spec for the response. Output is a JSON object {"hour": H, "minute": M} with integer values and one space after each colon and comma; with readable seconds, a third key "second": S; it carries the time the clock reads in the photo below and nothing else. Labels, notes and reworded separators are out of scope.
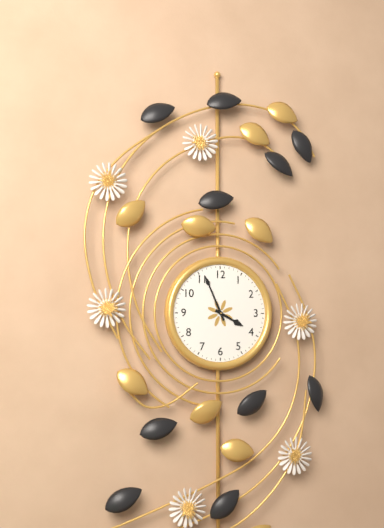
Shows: {"hour": 3, "minute": 56}
